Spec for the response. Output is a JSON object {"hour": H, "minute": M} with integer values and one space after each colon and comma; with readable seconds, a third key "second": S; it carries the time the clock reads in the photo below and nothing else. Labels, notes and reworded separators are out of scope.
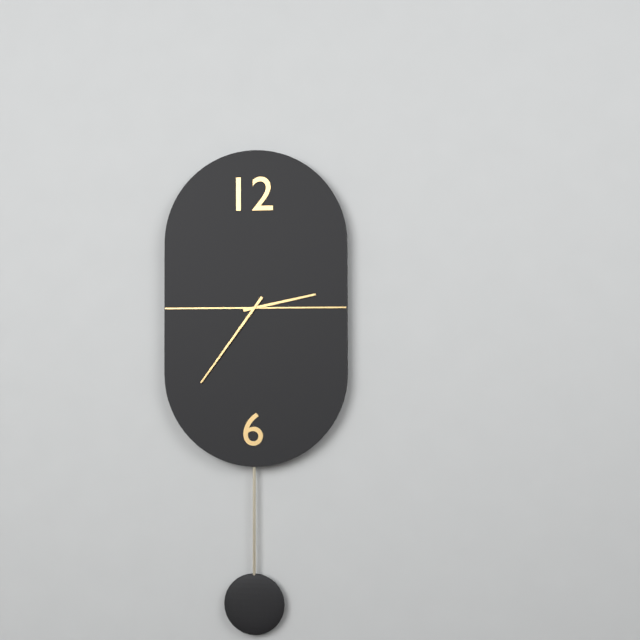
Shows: {"hour": 2, "minute": 36}
